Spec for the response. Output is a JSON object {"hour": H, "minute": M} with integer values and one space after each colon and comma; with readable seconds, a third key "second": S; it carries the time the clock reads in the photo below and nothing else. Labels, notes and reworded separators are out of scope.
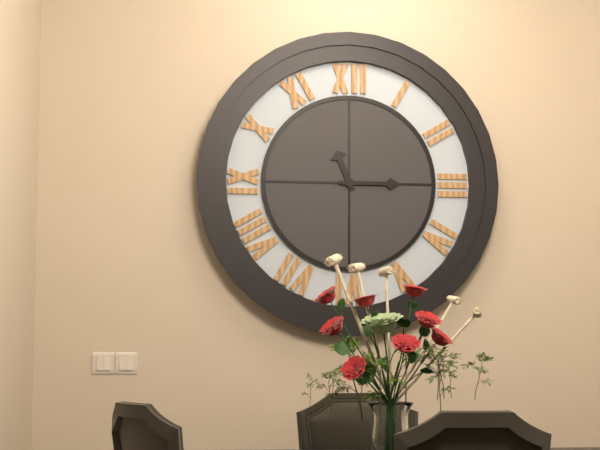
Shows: {"hour": 11, "minute": 15}
